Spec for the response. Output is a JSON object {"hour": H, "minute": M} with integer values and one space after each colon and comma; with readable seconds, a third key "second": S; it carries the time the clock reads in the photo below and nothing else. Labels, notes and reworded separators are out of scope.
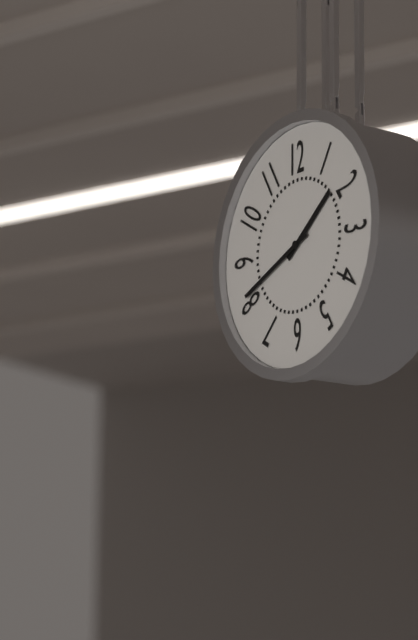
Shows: {"hour": 1, "minute": 41}
